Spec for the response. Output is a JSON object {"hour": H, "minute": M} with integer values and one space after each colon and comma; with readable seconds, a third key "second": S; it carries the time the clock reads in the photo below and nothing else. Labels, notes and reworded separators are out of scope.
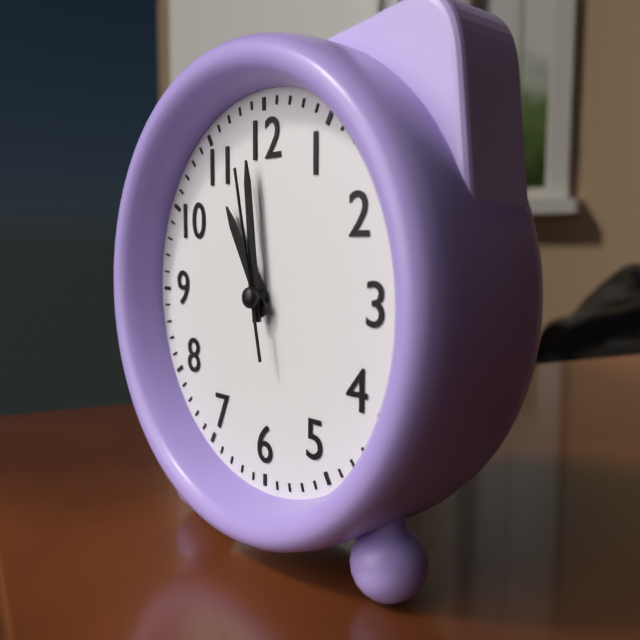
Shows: {"hour": 10, "minute": 59, "second": 58}
